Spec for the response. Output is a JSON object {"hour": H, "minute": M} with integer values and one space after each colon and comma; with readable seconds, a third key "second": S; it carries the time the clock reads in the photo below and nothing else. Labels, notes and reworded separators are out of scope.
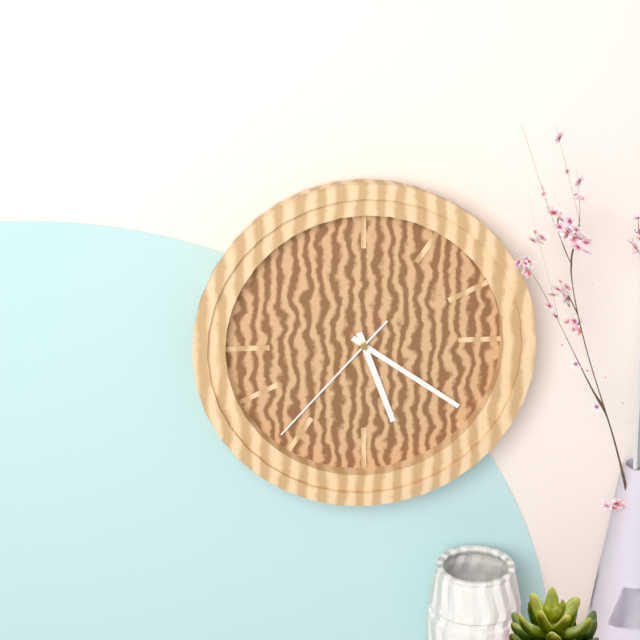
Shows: {"hour": 5, "minute": 21, "second": 37}
